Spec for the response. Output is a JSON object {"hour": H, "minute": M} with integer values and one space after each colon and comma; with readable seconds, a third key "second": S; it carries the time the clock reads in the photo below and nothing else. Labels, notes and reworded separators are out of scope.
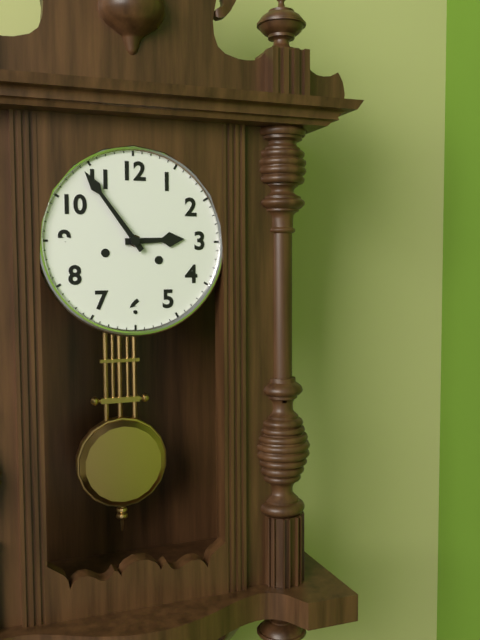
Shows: {"hour": 2, "minute": 54}
